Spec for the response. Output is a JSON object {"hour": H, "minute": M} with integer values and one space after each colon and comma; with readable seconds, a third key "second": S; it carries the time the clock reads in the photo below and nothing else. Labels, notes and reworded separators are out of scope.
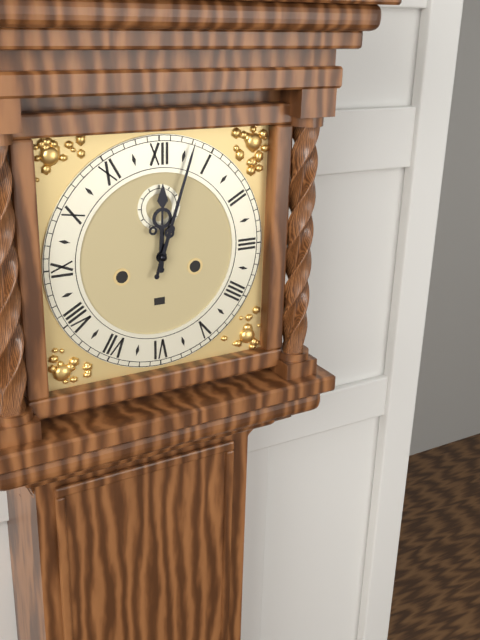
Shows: {"hour": 12, "minute": 3}
